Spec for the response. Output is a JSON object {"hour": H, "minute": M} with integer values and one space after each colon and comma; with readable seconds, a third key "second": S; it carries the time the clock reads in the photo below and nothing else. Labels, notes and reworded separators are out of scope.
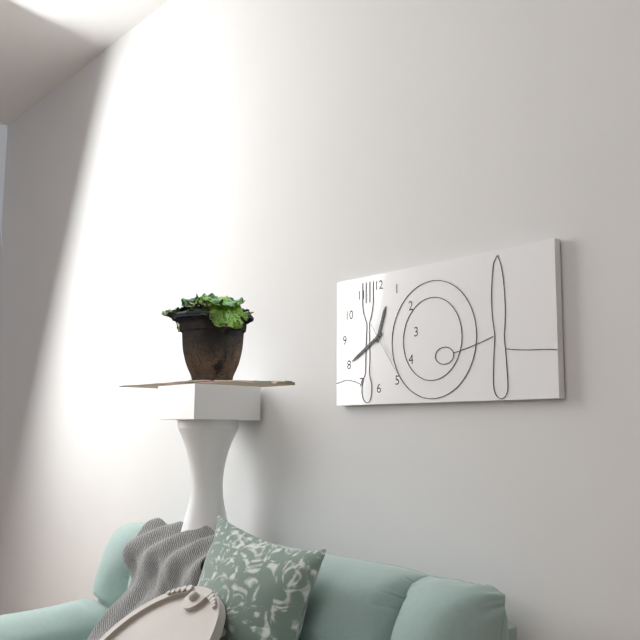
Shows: {"hour": 12, "minute": 40, "second": 24}
